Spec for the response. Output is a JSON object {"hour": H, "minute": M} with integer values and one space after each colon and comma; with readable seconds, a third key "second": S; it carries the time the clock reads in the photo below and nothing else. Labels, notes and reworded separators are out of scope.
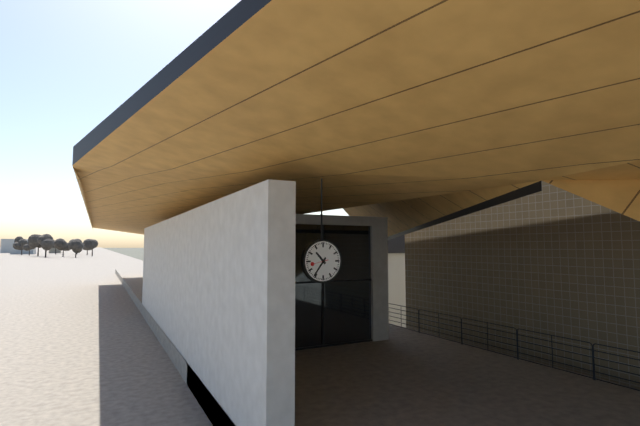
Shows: {"hour": 10, "minute": 36}
